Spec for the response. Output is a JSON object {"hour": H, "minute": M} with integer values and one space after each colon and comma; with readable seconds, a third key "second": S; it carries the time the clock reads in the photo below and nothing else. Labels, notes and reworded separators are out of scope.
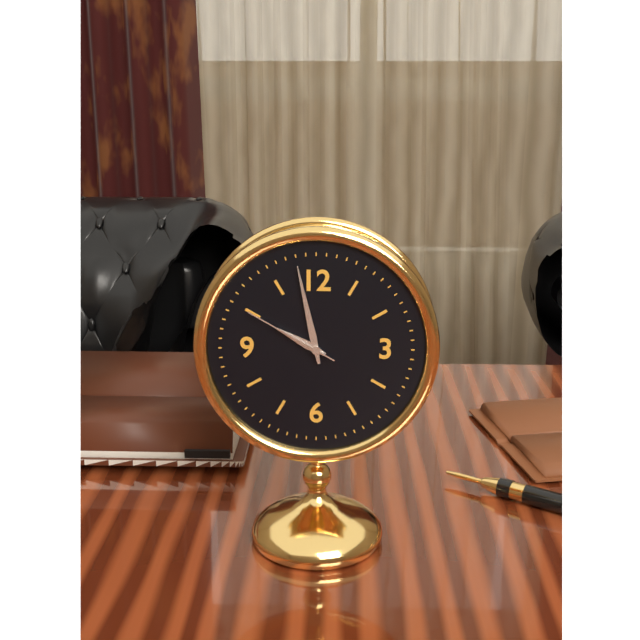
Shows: {"hour": 9, "minute": 58, "second": 50}
